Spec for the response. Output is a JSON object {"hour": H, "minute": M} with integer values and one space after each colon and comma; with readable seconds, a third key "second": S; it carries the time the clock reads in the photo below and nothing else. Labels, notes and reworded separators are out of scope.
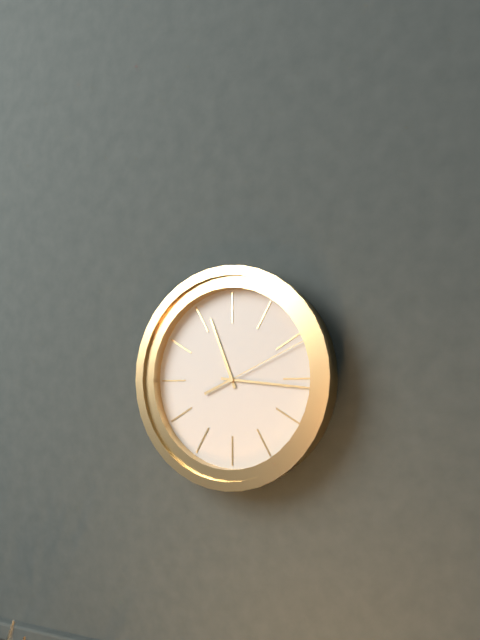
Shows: {"hour": 11, "minute": 16, "second": 11}
